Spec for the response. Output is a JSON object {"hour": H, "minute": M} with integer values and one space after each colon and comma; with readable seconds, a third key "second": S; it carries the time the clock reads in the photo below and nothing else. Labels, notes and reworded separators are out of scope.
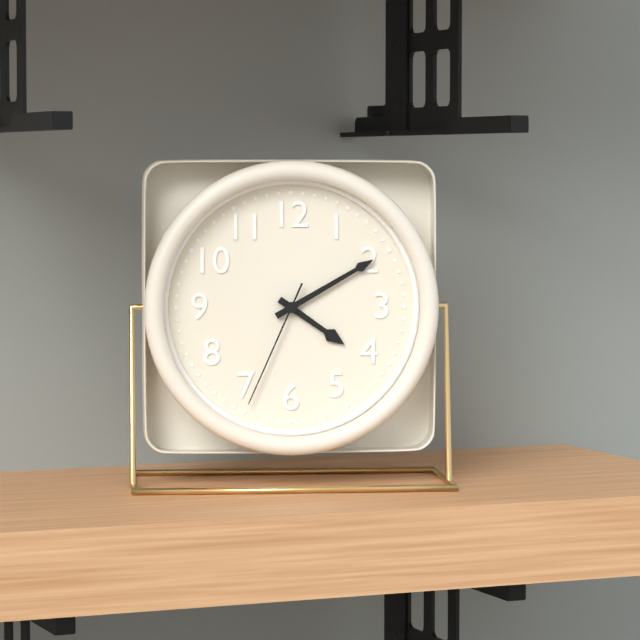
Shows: {"hour": 4, "minute": 10, "second": 34}
